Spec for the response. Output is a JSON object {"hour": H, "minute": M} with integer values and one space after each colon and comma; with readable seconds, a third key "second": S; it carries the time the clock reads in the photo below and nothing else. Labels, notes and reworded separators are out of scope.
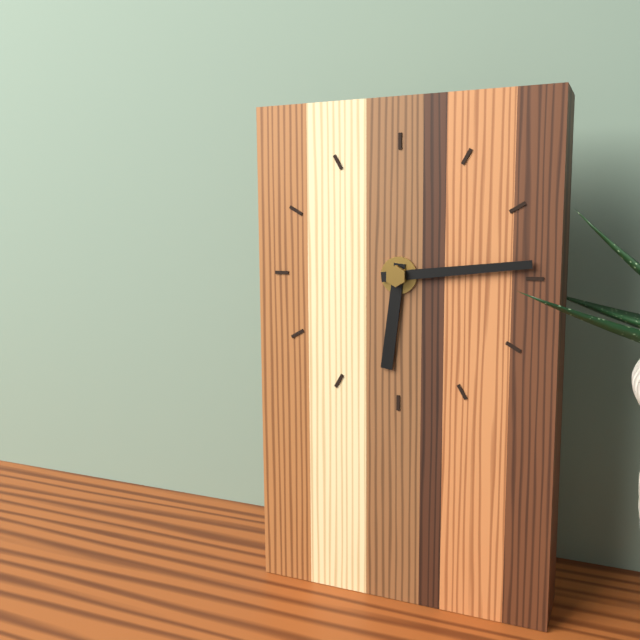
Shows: {"hour": 6, "minute": 14}
